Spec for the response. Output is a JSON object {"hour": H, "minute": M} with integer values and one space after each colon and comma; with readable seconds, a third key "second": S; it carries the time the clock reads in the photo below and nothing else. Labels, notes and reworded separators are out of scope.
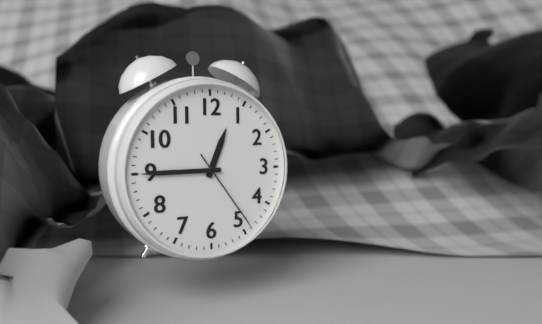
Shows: {"hour": 12, "minute": 45, "second": 24}
